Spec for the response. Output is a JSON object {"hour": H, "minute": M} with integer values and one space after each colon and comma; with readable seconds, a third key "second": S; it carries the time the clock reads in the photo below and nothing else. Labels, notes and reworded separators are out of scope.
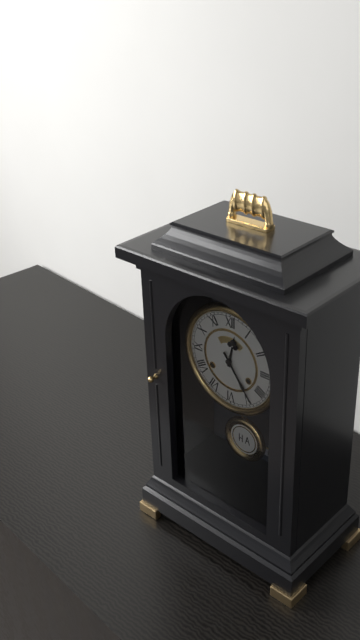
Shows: {"hour": 12, "minute": 24}
